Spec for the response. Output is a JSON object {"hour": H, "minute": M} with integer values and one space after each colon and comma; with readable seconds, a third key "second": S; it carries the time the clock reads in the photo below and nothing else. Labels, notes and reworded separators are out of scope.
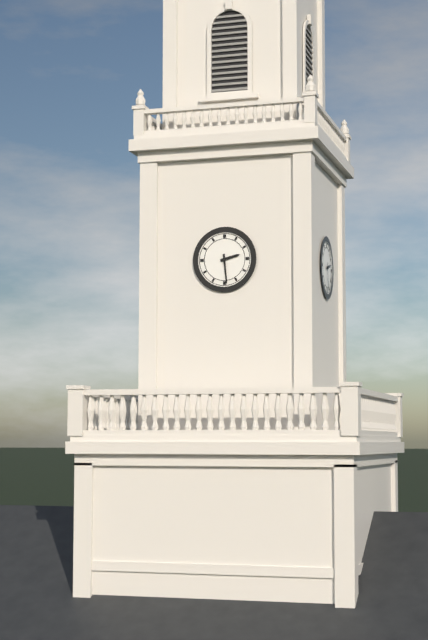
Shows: {"hour": 2, "minute": 29}
